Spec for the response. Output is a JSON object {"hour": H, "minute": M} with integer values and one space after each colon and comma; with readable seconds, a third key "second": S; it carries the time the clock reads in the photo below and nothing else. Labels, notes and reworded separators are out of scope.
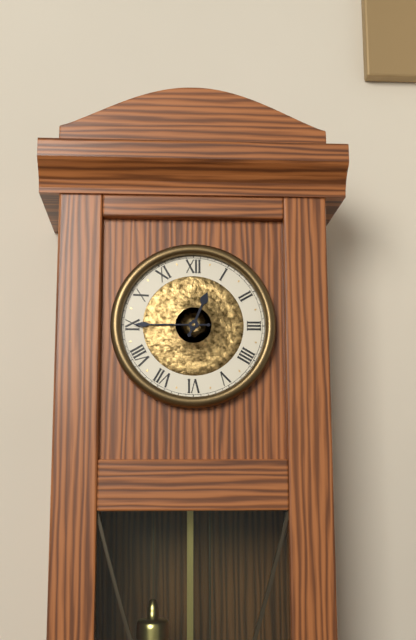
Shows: {"hour": 12, "minute": 45}
